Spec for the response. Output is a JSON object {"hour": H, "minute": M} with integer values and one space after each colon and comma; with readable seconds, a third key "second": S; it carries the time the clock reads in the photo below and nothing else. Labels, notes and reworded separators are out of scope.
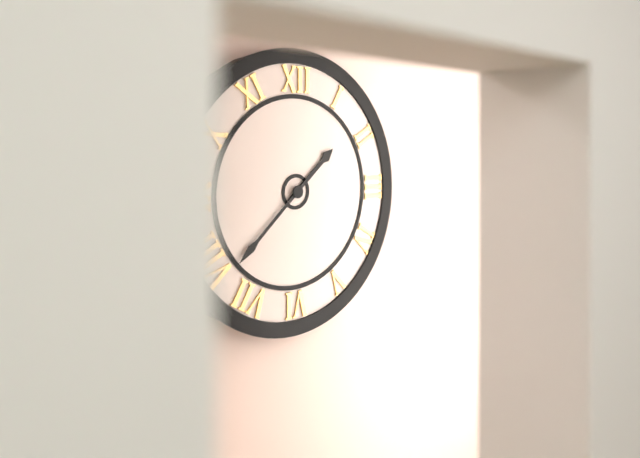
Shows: {"hour": 1, "minute": 38}
